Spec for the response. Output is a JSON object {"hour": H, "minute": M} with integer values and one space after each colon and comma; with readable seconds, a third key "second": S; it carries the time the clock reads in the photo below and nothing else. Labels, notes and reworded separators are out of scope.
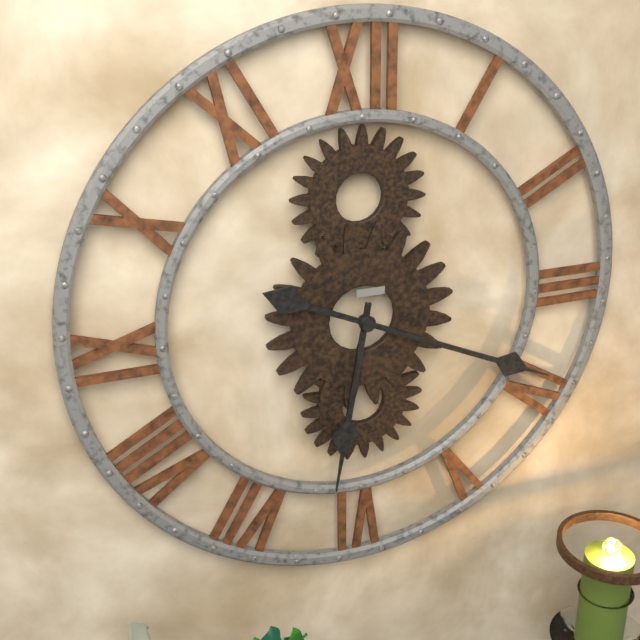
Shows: {"hour": 6, "minute": 19}
